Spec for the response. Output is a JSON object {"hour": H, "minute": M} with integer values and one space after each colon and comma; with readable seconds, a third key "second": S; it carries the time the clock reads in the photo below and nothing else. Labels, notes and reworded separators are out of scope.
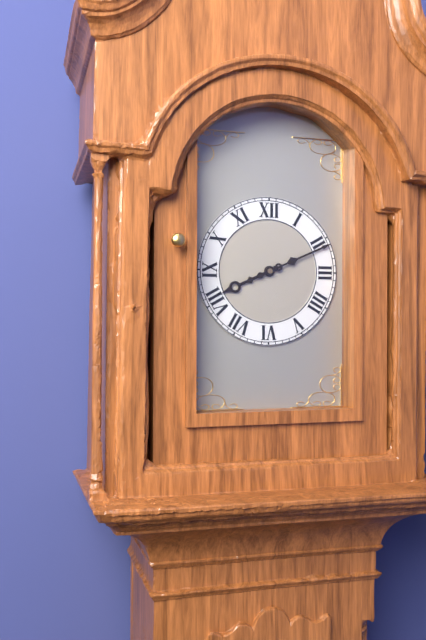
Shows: {"hour": 8, "minute": 11}
